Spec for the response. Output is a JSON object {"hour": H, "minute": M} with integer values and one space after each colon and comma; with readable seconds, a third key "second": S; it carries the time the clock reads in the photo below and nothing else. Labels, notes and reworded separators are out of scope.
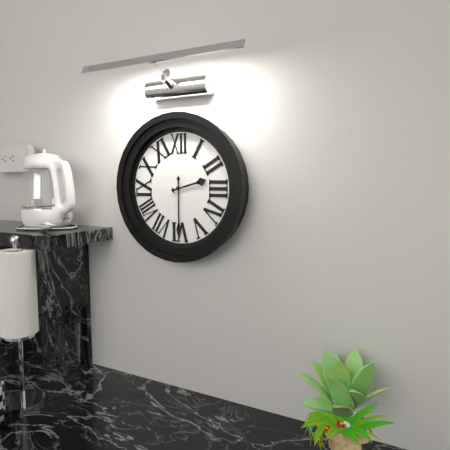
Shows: {"hour": 2, "minute": 30}
